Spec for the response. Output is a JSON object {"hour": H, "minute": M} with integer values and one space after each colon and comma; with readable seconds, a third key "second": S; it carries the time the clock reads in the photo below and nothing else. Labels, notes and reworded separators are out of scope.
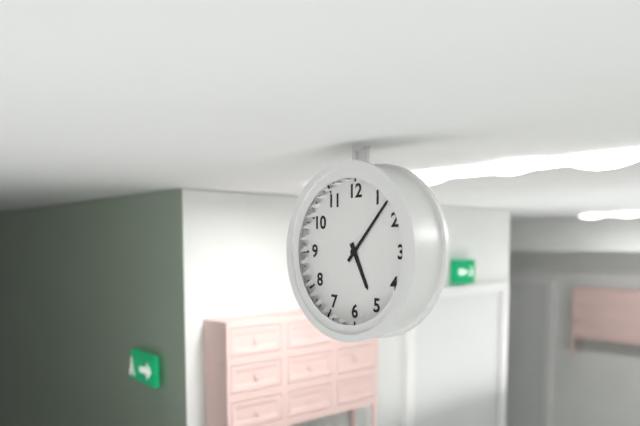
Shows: {"hour": 5, "minute": 7}
